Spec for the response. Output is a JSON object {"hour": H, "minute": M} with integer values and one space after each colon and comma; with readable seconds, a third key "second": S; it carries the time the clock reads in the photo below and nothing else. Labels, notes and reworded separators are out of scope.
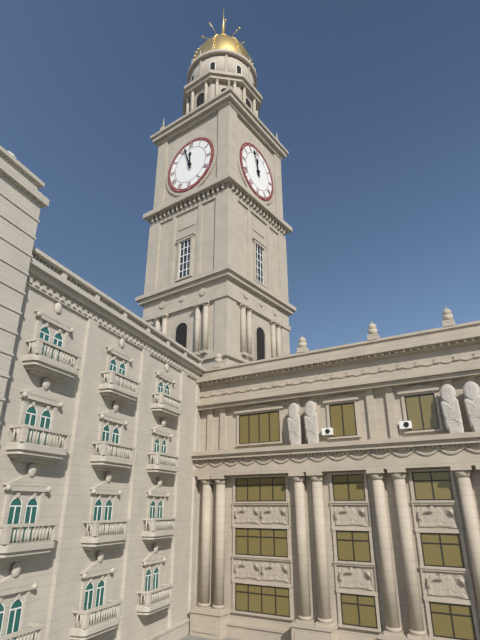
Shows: {"hour": 11, "minute": 57}
